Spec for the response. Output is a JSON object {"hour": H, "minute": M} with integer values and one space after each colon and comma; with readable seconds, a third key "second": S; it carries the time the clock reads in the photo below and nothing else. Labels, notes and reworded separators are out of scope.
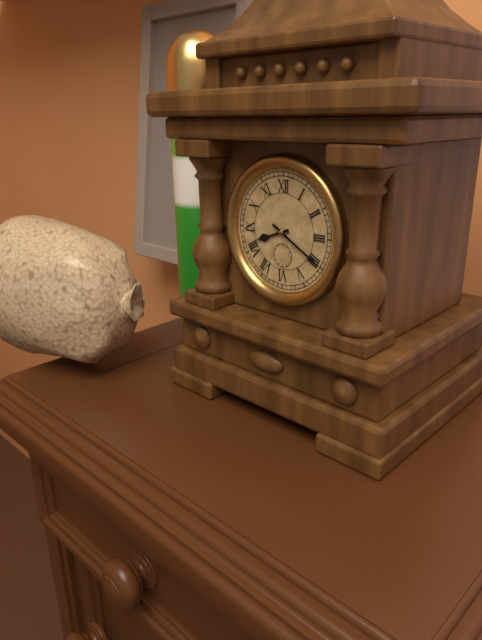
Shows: {"hour": 8, "minute": 20}
